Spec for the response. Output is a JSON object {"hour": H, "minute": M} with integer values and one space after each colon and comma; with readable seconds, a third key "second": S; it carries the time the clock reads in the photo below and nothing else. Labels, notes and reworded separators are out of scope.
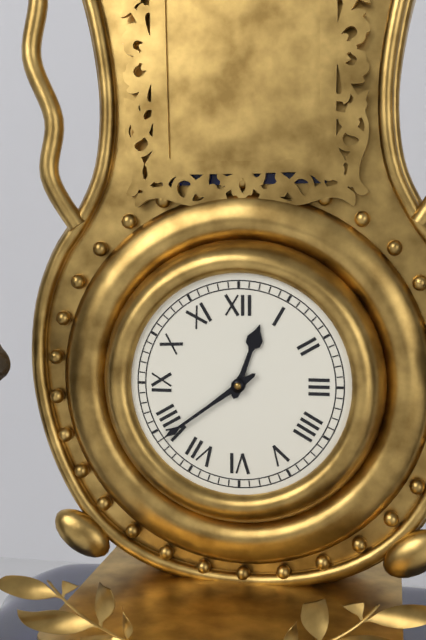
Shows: {"hour": 12, "minute": 39}
